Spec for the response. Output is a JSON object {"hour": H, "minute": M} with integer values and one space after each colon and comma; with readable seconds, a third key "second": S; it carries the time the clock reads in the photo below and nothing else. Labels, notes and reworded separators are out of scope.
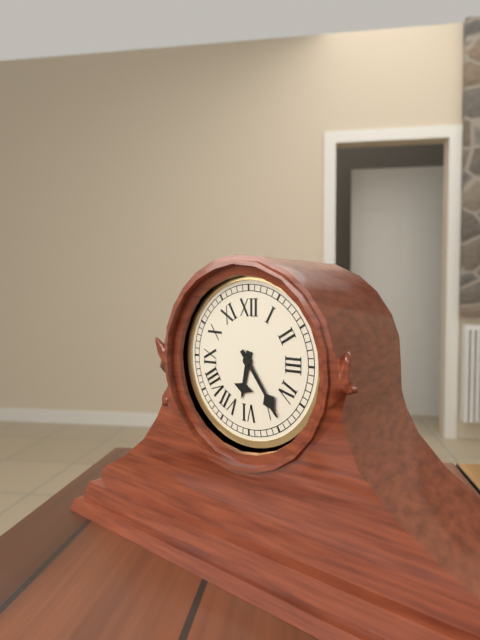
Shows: {"hour": 6, "minute": 24}
